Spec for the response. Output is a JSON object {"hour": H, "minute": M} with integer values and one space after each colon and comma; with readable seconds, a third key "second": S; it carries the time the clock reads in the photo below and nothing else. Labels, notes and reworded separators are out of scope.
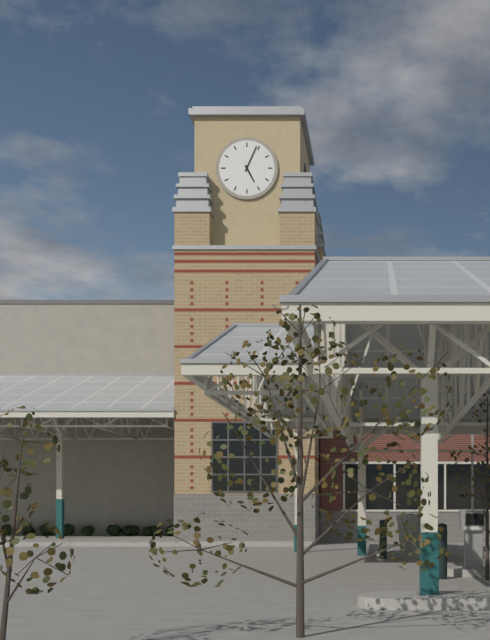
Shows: {"hour": 5, "minute": 4}
